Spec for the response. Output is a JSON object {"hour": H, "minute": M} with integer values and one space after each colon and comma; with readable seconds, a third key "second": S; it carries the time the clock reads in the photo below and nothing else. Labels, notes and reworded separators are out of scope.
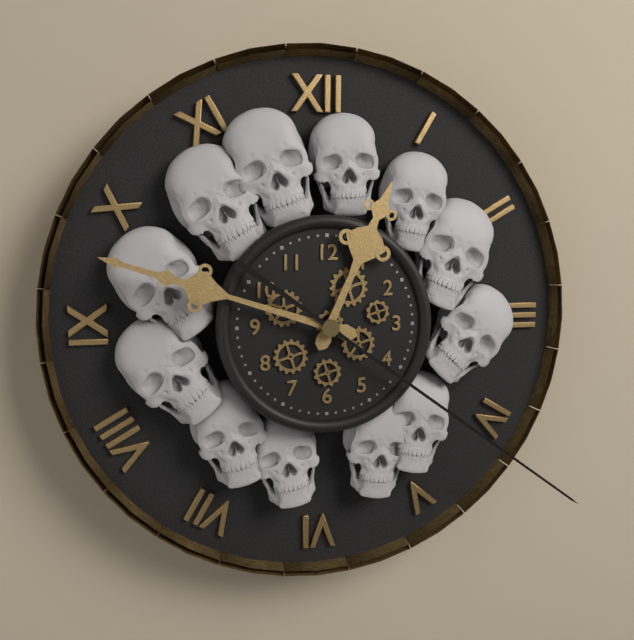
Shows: {"hour": 12, "minute": 48, "second": 21}
